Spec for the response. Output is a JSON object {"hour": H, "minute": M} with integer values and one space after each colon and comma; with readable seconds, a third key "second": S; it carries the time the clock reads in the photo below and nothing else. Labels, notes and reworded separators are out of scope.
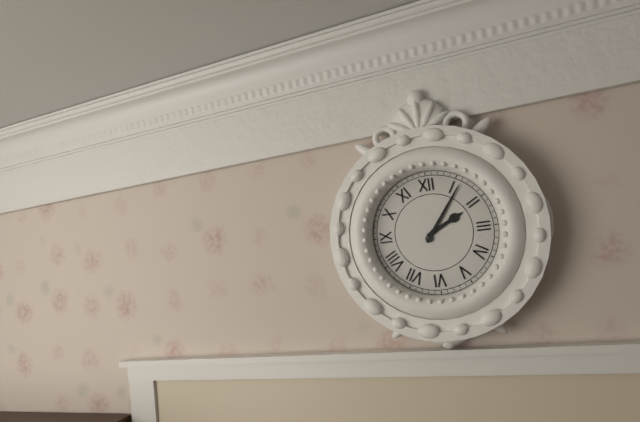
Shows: {"hour": 2, "minute": 6}
